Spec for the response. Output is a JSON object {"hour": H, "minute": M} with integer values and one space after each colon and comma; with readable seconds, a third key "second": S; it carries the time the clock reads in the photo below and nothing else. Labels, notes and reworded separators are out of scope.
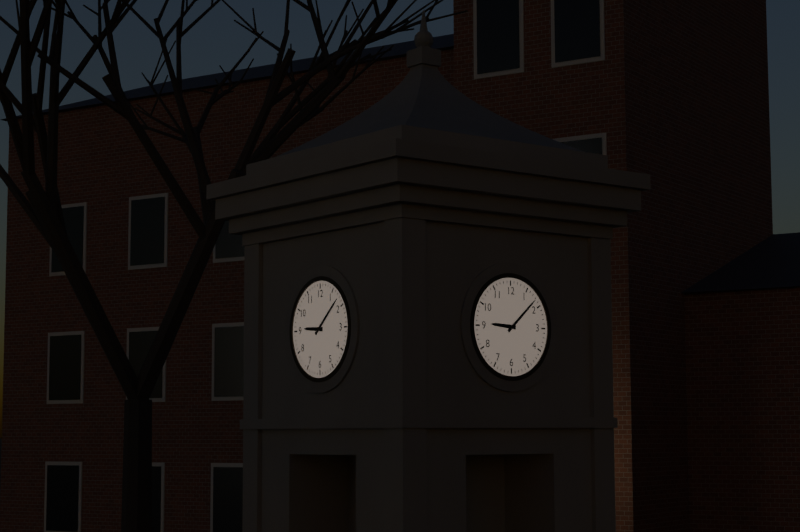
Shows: {"hour": 9, "minute": 8}
